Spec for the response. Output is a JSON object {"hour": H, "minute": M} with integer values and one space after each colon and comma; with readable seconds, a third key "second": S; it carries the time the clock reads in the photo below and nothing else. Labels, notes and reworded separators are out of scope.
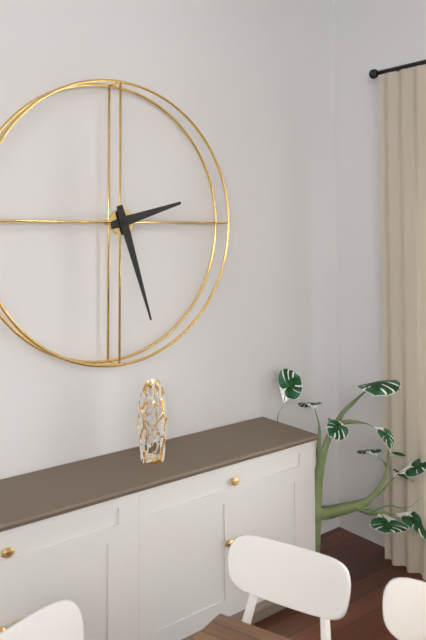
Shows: {"hour": 2, "minute": 27}
